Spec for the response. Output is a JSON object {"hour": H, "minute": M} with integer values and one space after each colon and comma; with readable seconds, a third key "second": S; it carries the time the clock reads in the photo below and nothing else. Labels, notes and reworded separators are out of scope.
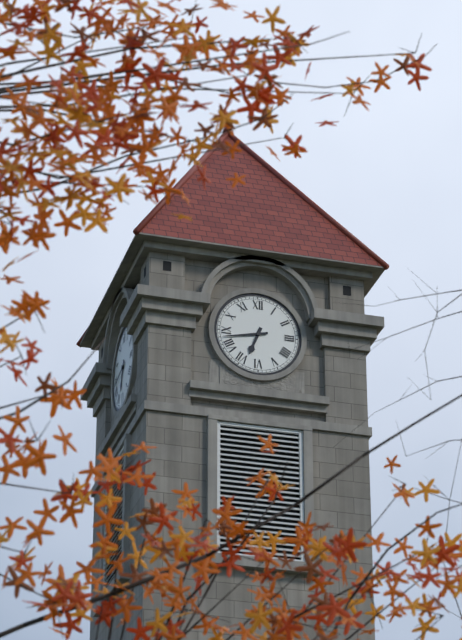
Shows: {"hour": 6, "minute": 43}
